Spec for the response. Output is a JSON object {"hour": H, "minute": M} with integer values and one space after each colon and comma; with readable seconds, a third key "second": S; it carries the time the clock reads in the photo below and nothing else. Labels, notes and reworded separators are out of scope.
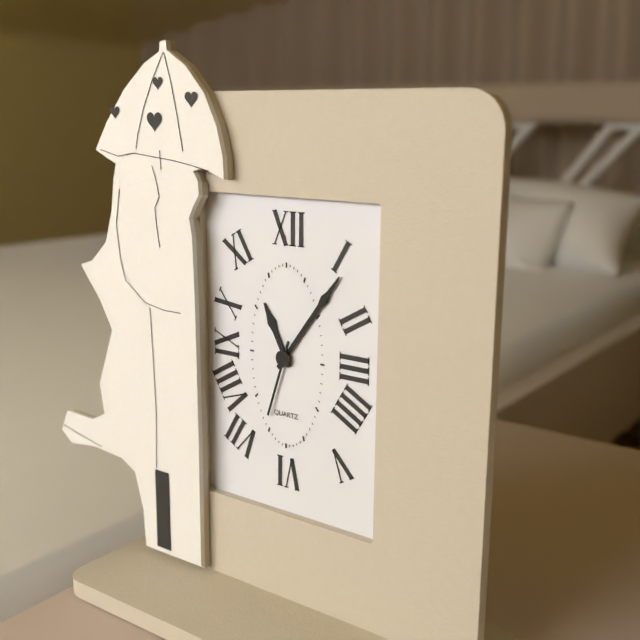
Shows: {"hour": 11, "minute": 6, "second": 33}
